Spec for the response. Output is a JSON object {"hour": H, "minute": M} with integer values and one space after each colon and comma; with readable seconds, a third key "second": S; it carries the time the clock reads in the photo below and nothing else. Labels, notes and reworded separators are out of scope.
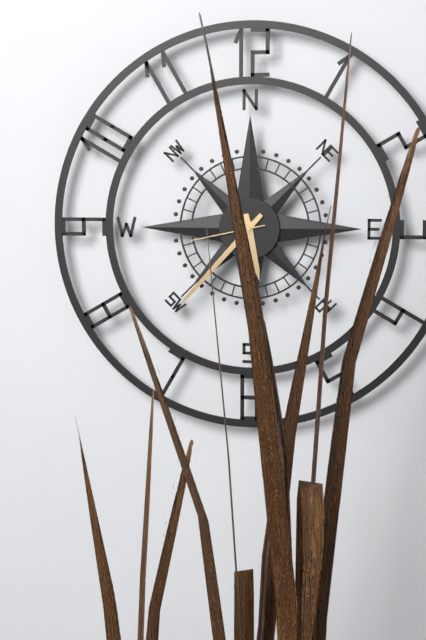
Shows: {"hour": 5, "minute": 37, "second": 43}
